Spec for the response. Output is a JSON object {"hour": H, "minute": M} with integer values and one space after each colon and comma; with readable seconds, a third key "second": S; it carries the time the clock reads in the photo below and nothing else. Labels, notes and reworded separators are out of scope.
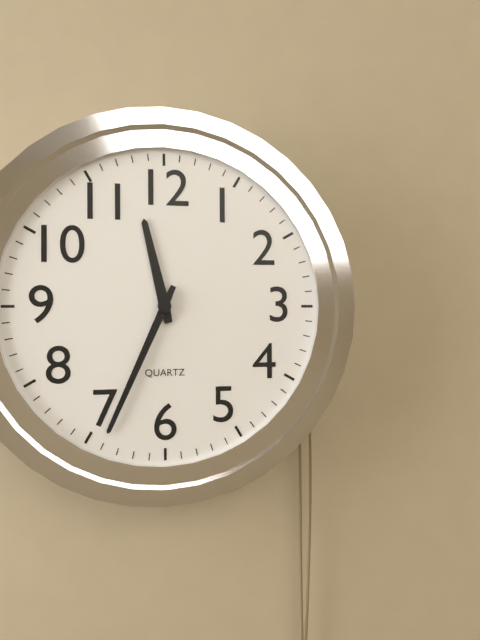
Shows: {"hour": 11, "minute": 34}
